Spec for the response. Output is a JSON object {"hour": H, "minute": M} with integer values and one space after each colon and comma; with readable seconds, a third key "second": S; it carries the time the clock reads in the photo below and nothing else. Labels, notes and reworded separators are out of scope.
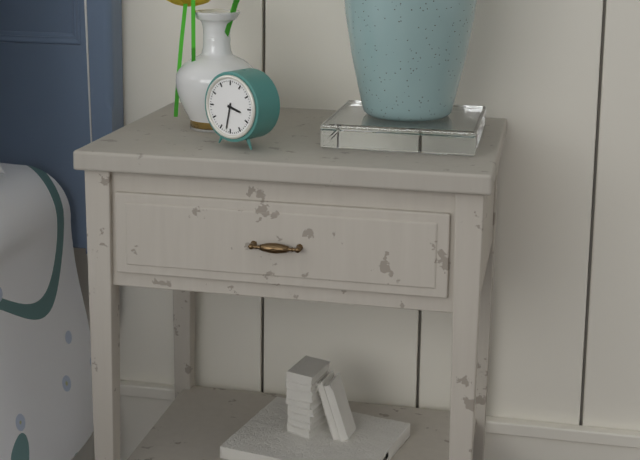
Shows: {"hour": 3, "minute": 32}
